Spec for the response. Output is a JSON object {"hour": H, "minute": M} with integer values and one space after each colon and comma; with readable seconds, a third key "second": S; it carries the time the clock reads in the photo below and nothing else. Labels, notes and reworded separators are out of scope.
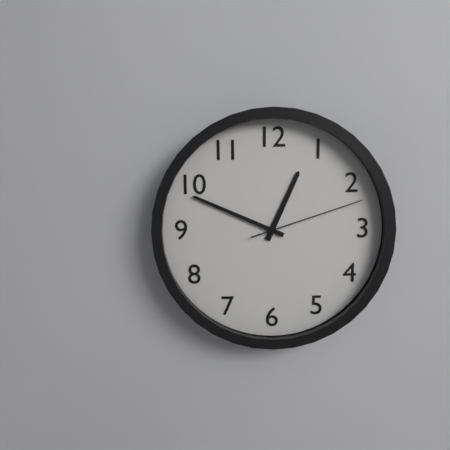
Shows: {"hour": 12, "minute": 49, "second": 12}
